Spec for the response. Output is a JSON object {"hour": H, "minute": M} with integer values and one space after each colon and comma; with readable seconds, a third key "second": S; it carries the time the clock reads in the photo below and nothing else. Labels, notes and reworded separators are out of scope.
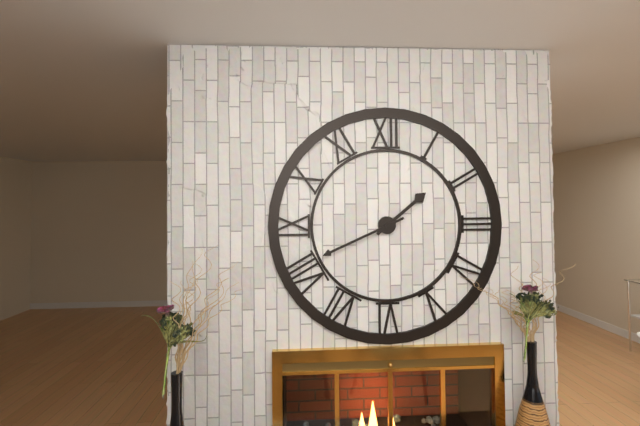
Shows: {"hour": 1, "minute": 41}
